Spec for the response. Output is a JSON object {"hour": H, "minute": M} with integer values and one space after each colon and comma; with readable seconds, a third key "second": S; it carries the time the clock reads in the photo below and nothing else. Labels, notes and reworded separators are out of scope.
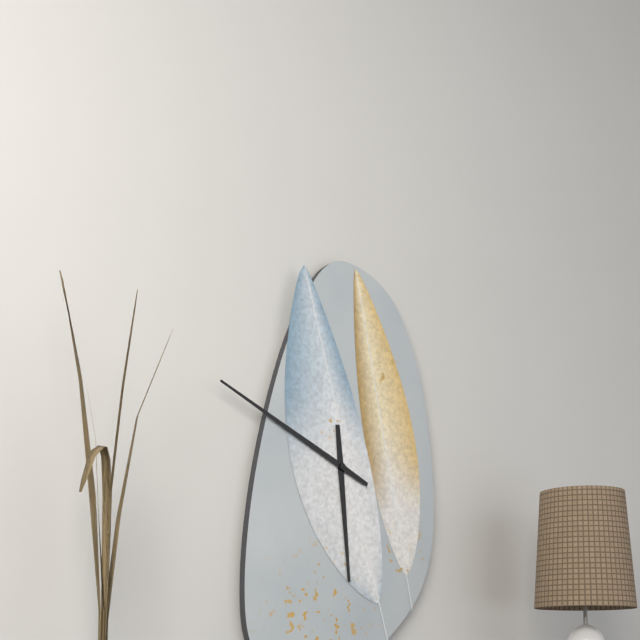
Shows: {"hour": 5, "minute": 49}
